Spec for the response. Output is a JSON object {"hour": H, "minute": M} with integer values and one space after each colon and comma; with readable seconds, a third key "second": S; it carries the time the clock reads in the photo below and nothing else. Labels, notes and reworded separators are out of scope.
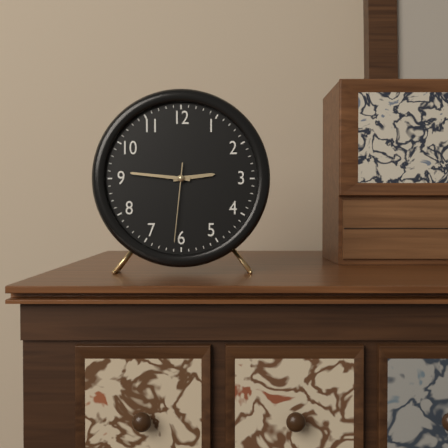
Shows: {"hour": 2, "minute": 46, "second": 31}
